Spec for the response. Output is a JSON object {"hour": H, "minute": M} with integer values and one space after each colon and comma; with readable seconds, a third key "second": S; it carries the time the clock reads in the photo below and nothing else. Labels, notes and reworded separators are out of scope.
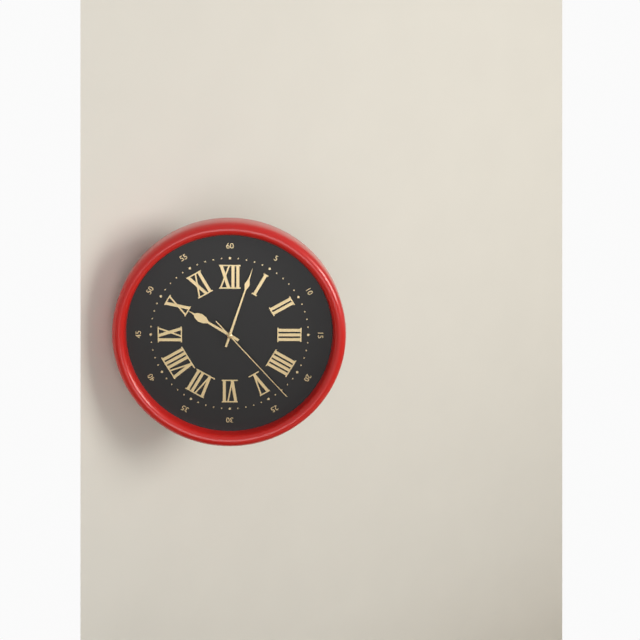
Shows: {"hour": 10, "minute": 3, "second": 23}
